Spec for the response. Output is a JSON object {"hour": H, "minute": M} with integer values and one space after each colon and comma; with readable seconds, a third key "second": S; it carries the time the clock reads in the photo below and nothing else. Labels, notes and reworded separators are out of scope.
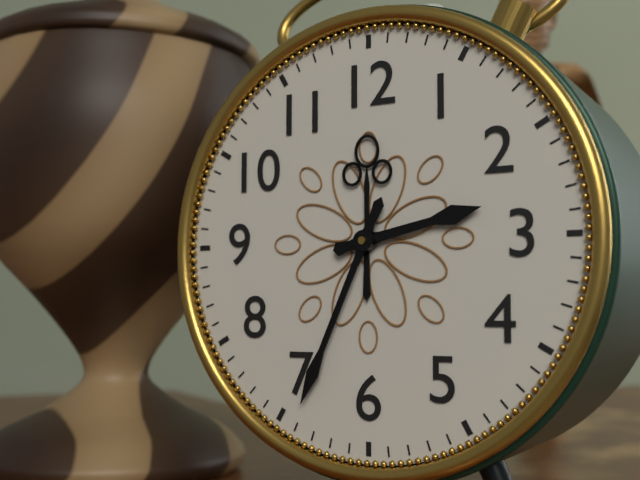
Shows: {"hour": 2, "minute": 34}
